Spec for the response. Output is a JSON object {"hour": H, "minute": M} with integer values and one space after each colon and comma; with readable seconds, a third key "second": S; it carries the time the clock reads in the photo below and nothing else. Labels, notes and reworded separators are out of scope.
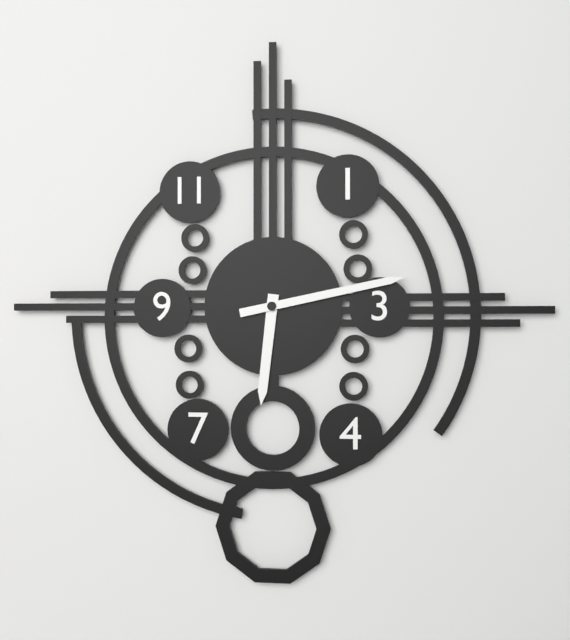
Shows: {"hour": 6, "minute": 13}
